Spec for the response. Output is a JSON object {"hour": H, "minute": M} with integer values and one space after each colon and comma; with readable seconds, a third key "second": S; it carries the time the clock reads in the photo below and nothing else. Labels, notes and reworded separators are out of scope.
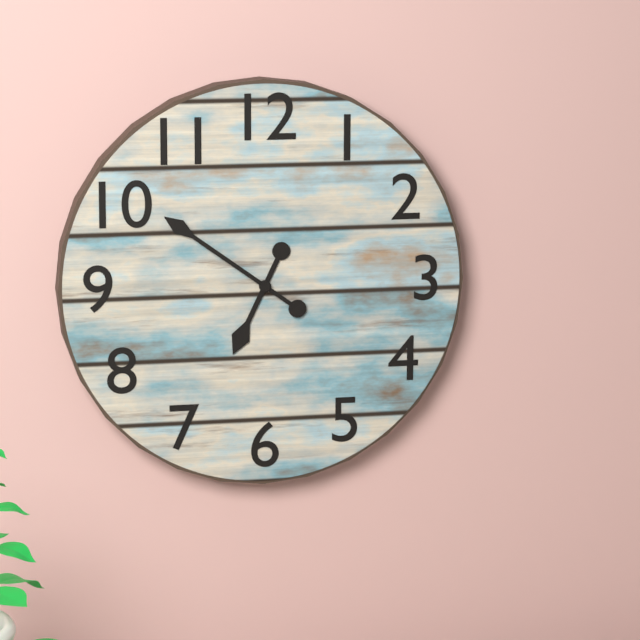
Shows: {"hour": 6, "minute": 51}
